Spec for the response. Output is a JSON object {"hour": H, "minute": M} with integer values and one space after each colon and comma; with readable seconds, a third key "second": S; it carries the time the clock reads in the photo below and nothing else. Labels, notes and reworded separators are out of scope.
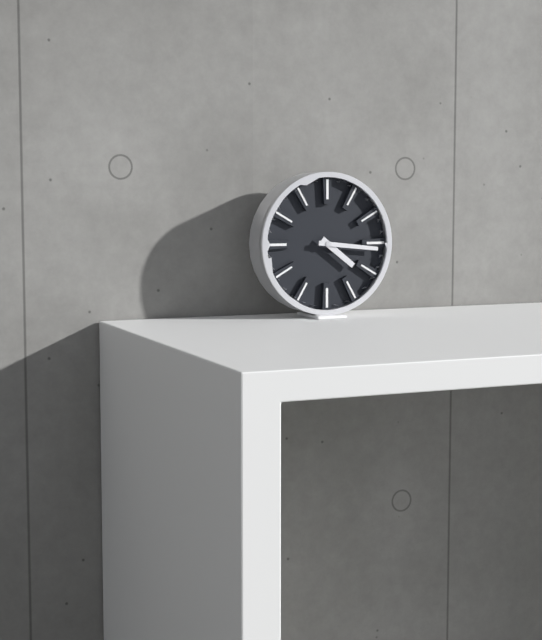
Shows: {"hour": 4, "minute": 16}
